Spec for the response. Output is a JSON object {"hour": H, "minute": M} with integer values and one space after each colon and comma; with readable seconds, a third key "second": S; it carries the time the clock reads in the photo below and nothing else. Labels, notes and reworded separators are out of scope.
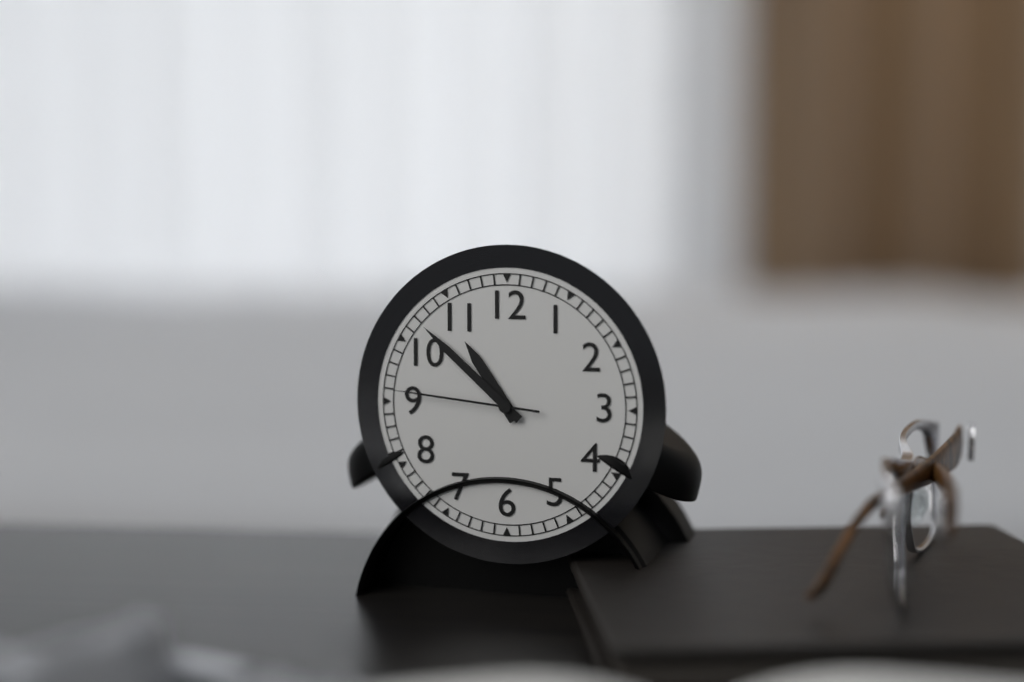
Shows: {"hour": 10, "minute": 52, "second": 46}
